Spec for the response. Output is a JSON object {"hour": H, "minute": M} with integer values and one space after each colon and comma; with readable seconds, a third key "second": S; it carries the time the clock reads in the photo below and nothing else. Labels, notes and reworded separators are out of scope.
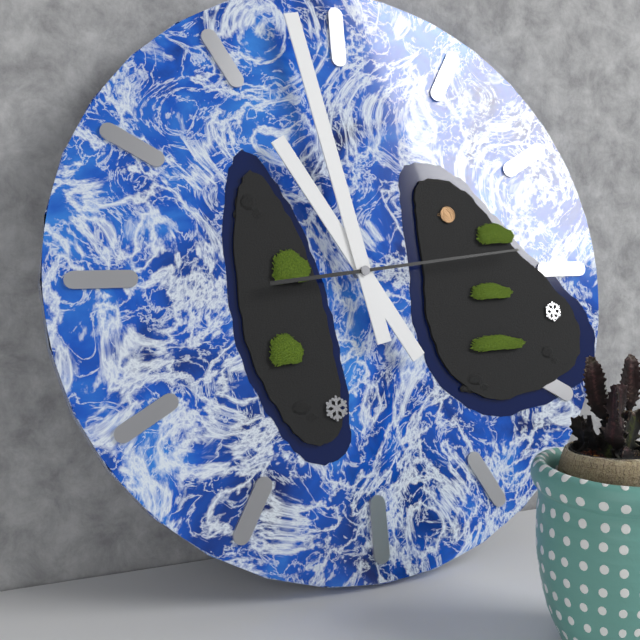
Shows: {"hour": 10, "minute": 58, "second": 14}
